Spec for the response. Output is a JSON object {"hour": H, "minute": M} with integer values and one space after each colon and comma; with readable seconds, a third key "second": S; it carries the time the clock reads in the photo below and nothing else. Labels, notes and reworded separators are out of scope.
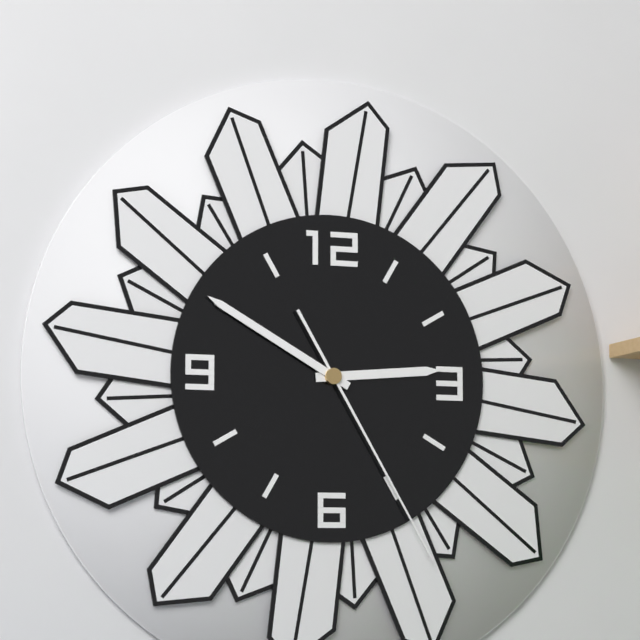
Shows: {"hour": 2, "minute": 50, "second": 25}
